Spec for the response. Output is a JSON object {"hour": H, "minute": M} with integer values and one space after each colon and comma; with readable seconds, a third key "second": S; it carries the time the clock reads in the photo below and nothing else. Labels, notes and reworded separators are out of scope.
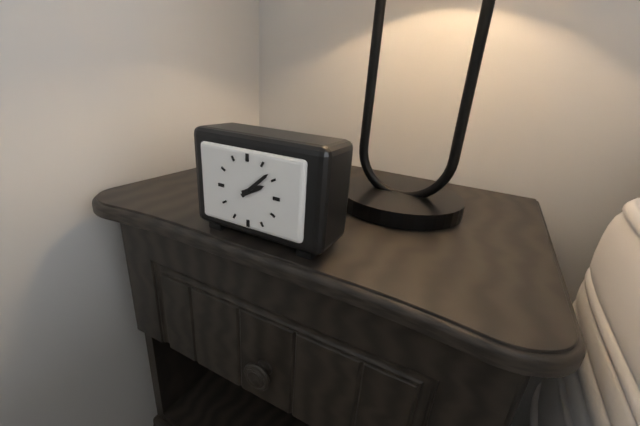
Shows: {"hour": 2, "minute": 8}
